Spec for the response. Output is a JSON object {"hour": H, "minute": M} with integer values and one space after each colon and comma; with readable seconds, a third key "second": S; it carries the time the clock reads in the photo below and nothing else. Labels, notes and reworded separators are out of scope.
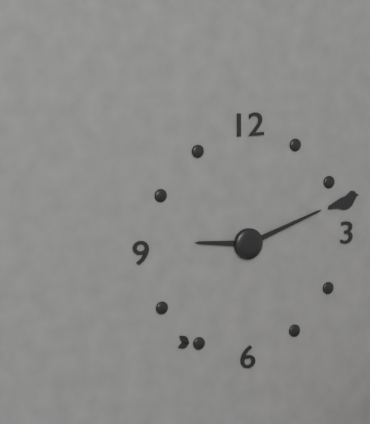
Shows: {"hour": 9, "minute": 12}
